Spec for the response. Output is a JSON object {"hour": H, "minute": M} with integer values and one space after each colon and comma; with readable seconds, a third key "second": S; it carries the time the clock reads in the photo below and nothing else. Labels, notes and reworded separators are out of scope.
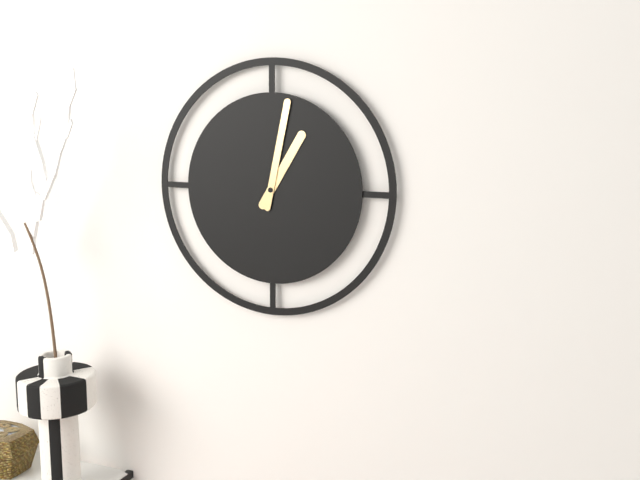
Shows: {"hour": 1, "minute": 2}
